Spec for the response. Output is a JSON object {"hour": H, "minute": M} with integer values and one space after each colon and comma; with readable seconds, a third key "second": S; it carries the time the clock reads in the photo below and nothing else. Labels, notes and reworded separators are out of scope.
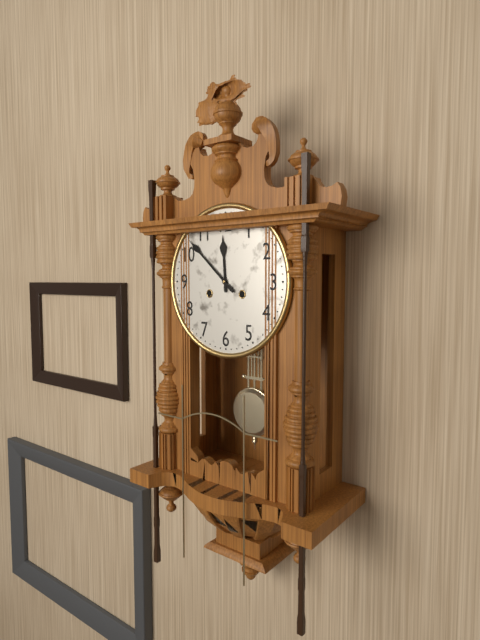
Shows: {"hour": 11, "minute": 52}
